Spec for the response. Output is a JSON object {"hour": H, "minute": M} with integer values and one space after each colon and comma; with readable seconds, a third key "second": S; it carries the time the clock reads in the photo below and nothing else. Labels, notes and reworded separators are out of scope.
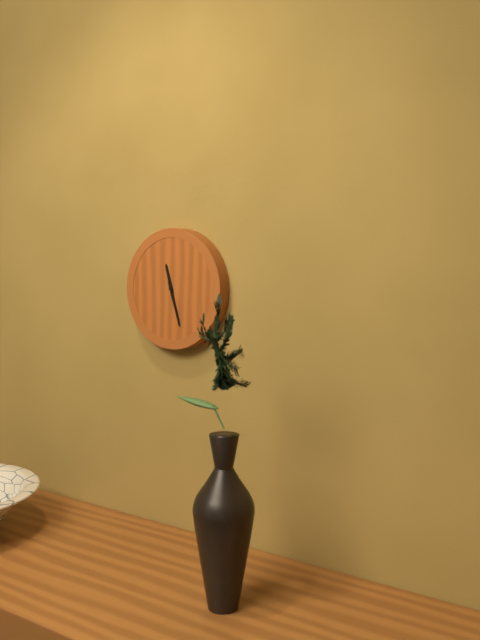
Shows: {"hour": 11, "minute": 27}
